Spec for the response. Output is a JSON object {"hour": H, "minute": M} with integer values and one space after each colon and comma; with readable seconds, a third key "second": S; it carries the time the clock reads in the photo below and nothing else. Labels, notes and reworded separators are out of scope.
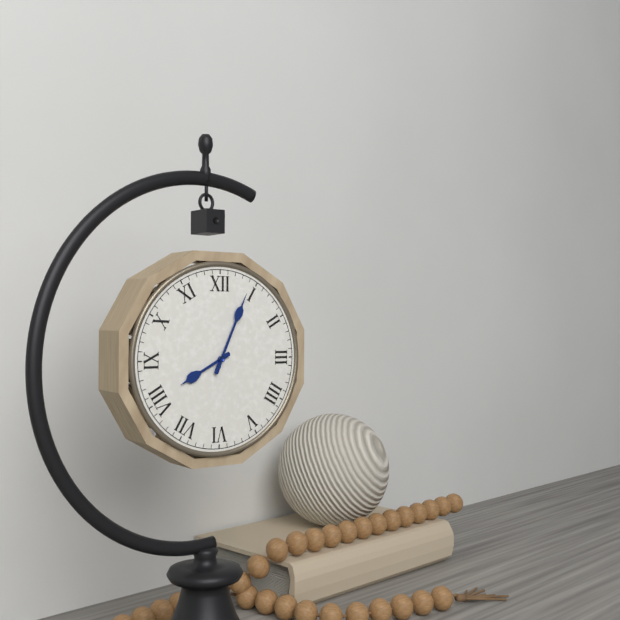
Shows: {"hour": 8, "minute": 4}
